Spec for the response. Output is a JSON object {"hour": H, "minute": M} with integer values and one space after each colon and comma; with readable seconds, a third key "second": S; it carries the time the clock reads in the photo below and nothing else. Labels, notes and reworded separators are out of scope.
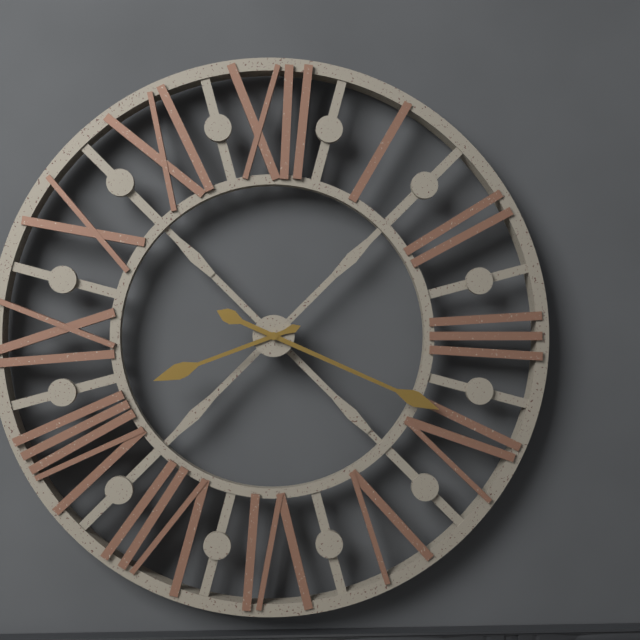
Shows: {"hour": 8, "minute": 19}
